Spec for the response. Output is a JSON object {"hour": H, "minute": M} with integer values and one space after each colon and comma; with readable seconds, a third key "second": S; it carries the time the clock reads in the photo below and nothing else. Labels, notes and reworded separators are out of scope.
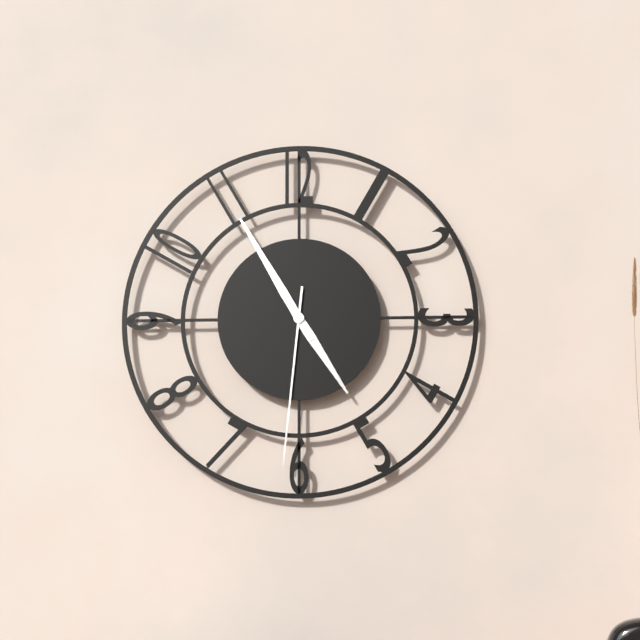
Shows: {"hour": 4, "minute": 55, "second": 31}
